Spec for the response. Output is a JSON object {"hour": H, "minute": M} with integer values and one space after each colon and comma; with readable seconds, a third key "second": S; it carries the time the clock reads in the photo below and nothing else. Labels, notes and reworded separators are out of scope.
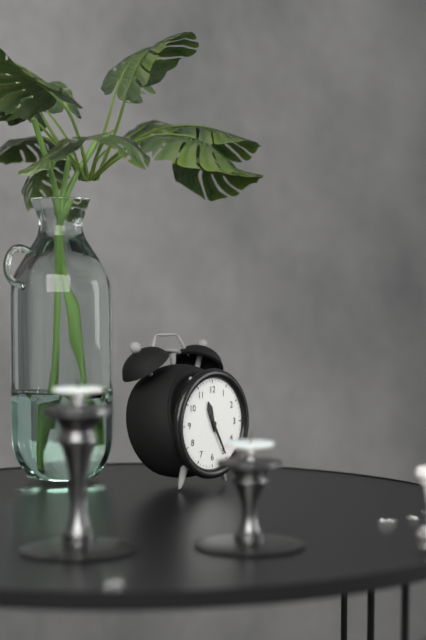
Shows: {"hour": 11, "minute": 25}
